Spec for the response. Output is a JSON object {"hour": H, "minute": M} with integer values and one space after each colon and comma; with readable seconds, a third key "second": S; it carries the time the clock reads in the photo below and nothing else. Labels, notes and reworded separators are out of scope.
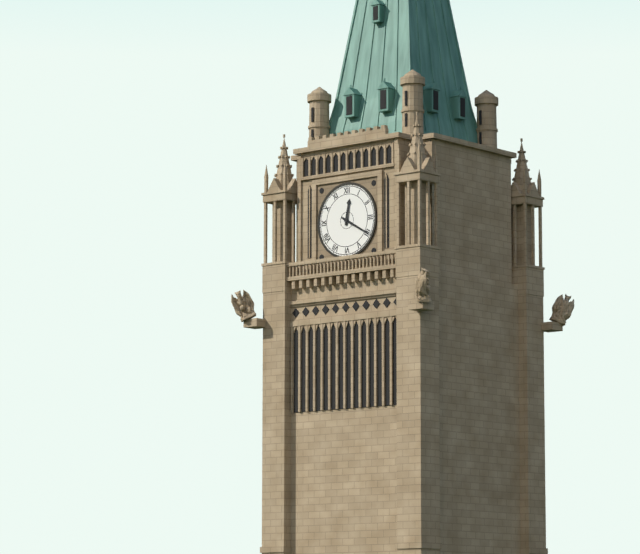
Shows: {"hour": 12, "minute": 20}
